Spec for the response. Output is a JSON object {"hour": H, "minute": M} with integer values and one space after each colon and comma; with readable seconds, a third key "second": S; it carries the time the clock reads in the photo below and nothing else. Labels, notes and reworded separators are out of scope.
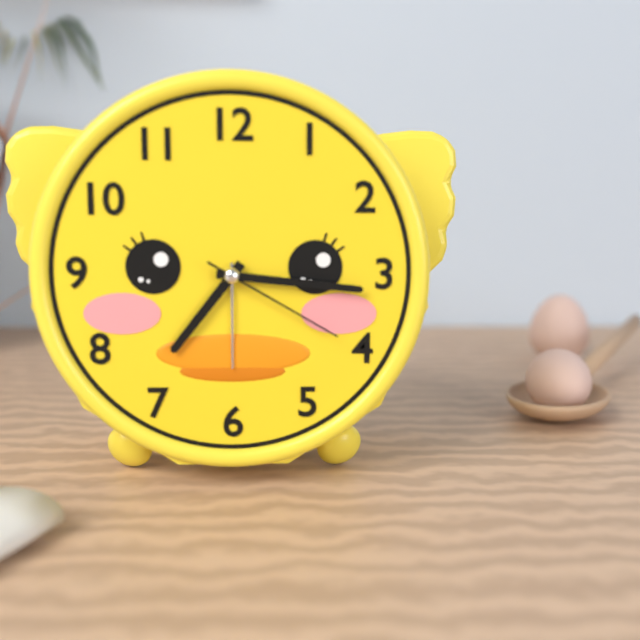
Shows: {"hour": 7, "minute": 16, "second": 20}
